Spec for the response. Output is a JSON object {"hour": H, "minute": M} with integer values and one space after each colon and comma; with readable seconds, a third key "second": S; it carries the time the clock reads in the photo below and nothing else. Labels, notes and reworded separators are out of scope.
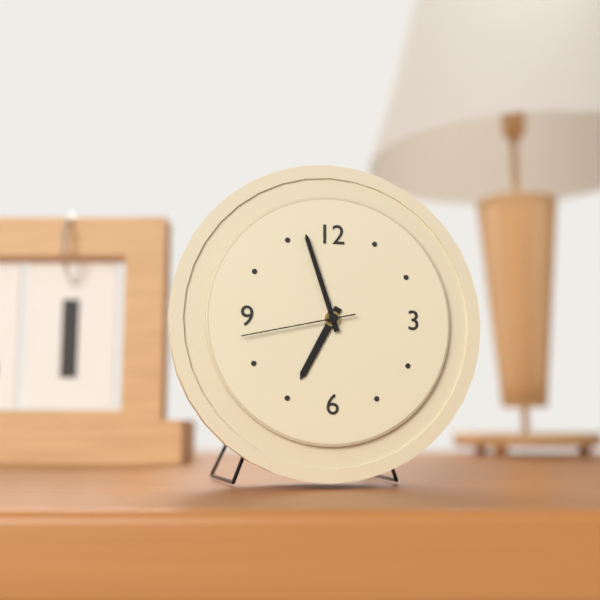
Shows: {"hour": 6, "minute": 57, "second": 43}
